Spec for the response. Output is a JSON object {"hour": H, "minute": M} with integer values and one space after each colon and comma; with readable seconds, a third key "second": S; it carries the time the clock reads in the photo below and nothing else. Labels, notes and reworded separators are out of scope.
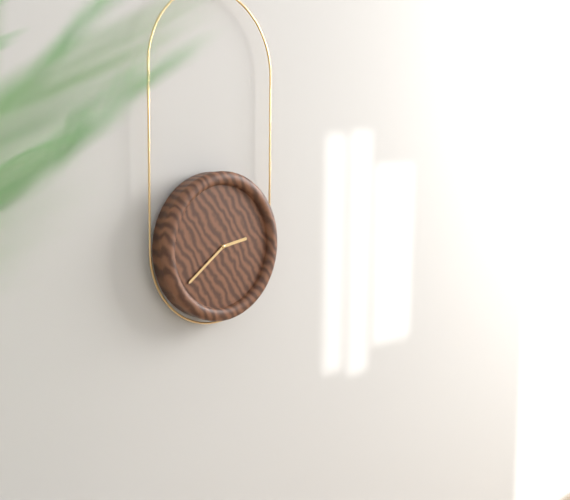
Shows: {"hour": 2, "minute": 39}
